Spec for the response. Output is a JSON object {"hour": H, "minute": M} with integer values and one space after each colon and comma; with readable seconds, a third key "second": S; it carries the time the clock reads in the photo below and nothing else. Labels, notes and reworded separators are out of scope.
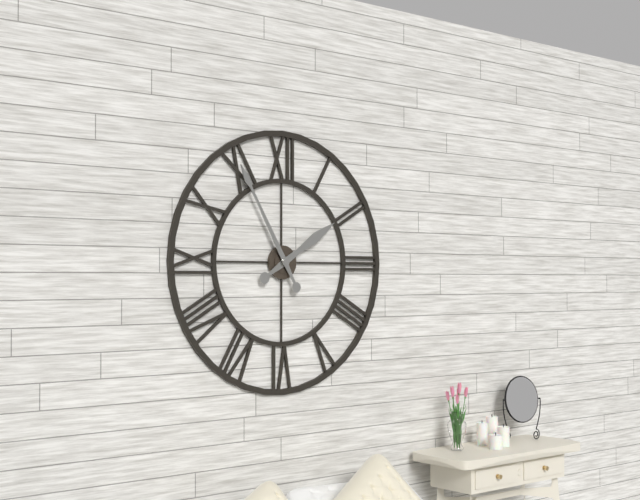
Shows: {"hour": 1, "minute": 55}
